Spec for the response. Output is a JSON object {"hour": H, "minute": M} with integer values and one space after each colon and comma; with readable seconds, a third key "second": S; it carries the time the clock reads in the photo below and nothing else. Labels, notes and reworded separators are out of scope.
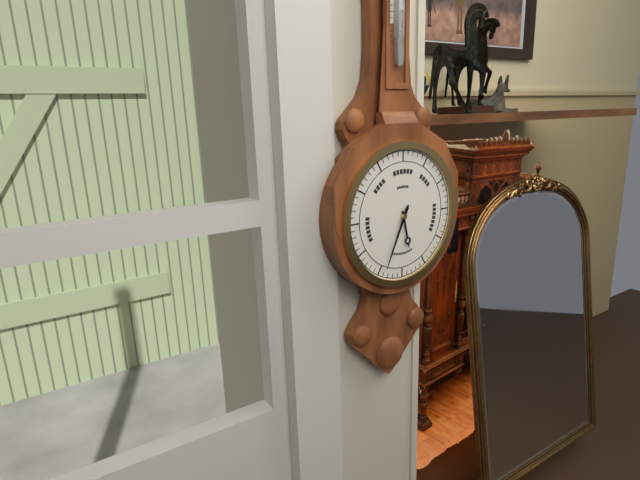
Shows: {"hour": 5, "minute": 34}
